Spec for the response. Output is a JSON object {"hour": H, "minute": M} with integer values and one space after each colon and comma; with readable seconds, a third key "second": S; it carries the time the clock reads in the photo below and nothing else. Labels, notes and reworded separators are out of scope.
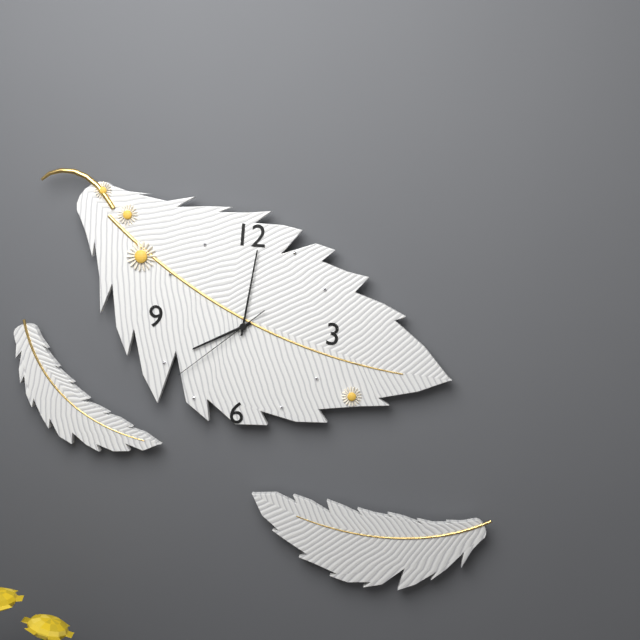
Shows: {"hour": 8, "minute": 1, "second": 38}
